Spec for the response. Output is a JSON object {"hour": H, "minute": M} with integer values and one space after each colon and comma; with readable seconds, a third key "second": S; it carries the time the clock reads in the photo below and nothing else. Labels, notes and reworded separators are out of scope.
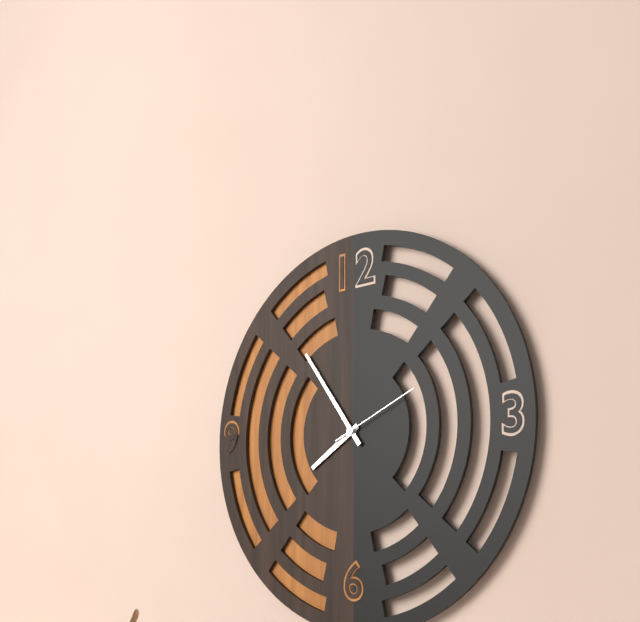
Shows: {"hour": 7, "minute": 54, "second": 11}
